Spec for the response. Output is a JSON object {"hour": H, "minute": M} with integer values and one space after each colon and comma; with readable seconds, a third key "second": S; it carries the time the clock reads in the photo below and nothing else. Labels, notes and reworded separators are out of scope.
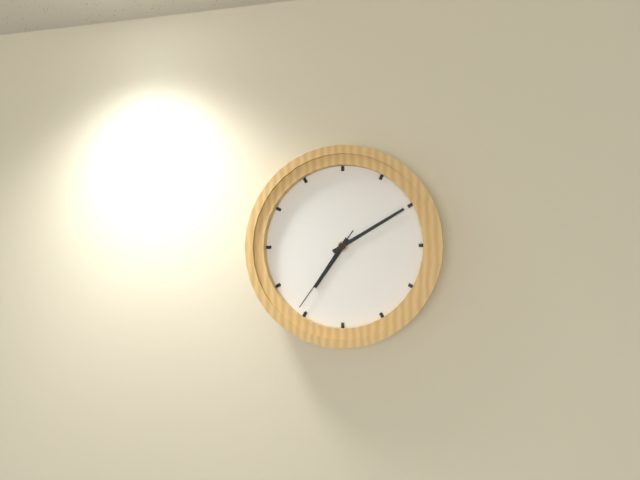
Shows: {"hour": 7, "minute": 10, "second": 36}
